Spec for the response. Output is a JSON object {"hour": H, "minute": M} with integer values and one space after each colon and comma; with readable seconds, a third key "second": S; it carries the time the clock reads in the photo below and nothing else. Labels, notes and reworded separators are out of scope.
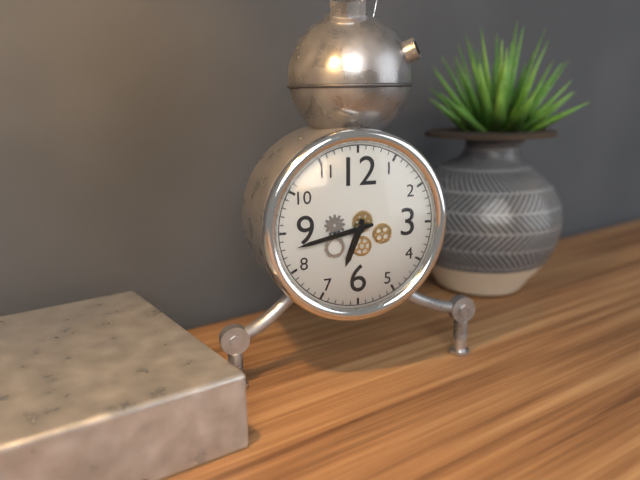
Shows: {"hour": 6, "minute": 43}
